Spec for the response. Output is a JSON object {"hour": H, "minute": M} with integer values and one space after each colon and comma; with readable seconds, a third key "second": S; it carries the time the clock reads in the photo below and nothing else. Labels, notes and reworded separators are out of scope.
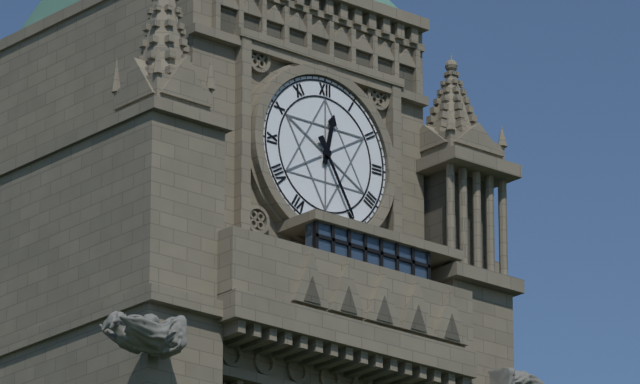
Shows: {"hour": 12, "minute": 25}
